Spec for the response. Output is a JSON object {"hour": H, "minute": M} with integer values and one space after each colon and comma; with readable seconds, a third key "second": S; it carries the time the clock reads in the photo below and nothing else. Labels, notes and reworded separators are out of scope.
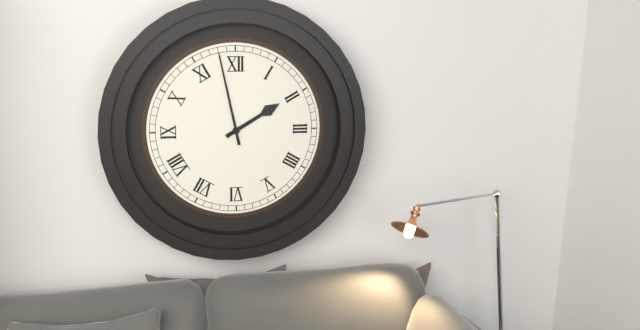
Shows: {"hour": 1, "minute": 58}
